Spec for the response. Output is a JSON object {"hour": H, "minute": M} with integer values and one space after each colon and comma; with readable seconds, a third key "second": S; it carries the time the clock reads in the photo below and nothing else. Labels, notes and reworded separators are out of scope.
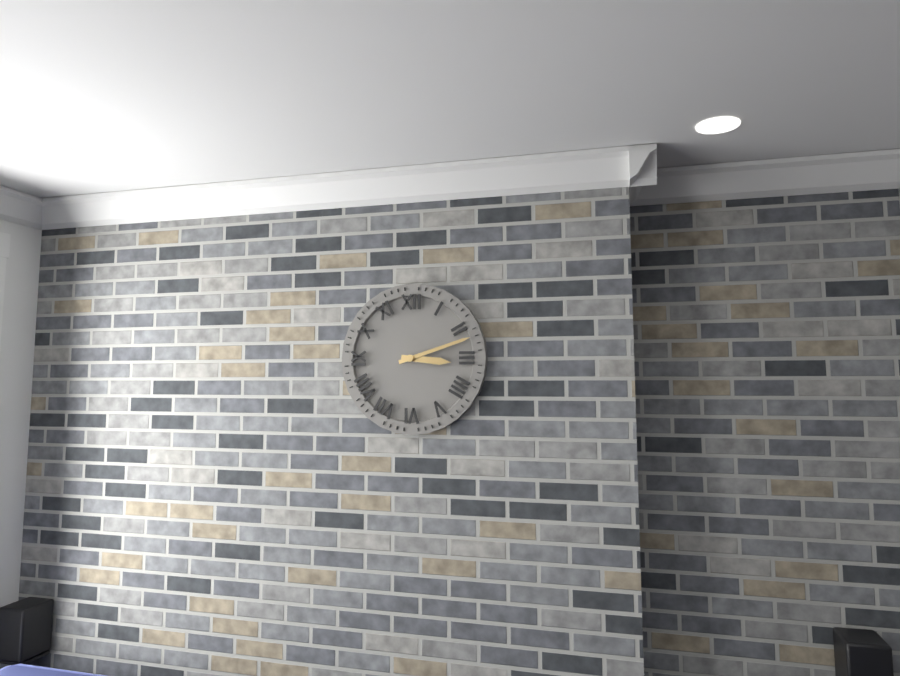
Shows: {"hour": 3, "minute": 12}
